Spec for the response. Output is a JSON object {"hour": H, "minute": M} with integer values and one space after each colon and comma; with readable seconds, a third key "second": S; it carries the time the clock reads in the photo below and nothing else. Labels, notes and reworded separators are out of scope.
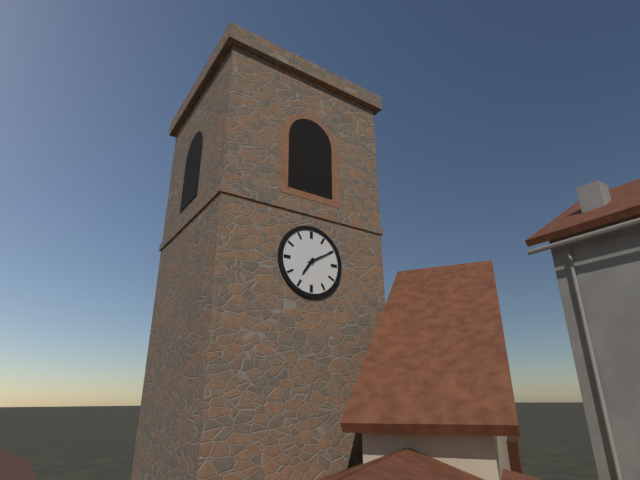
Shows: {"hour": 7, "minute": 10}
